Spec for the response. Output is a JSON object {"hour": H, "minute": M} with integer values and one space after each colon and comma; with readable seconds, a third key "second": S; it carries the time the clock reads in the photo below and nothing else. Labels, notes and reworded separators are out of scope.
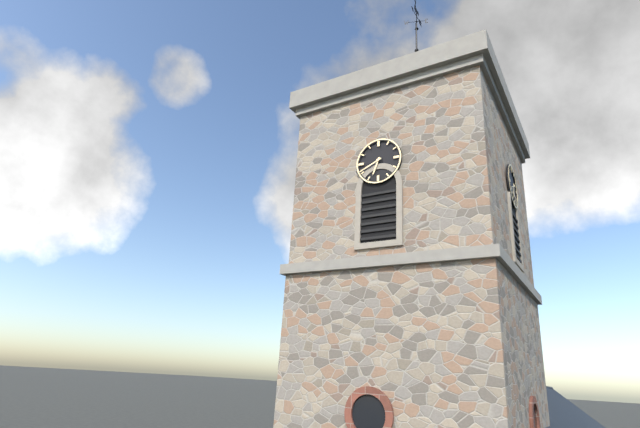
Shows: {"hour": 6, "minute": 41}
